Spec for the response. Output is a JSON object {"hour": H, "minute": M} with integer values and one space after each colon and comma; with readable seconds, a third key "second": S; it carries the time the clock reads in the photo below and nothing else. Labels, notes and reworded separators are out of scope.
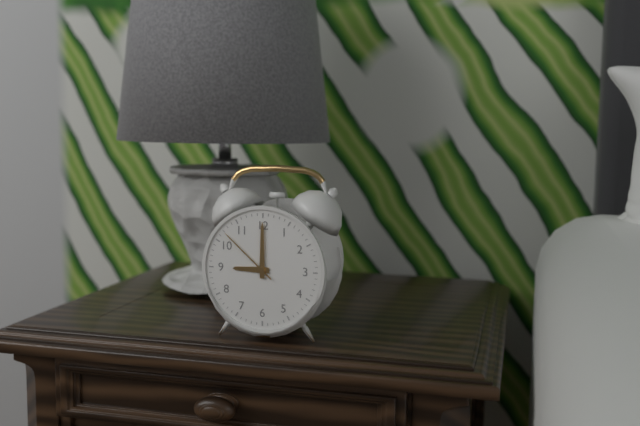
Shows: {"hour": 9, "minute": 0, "second": 52}
